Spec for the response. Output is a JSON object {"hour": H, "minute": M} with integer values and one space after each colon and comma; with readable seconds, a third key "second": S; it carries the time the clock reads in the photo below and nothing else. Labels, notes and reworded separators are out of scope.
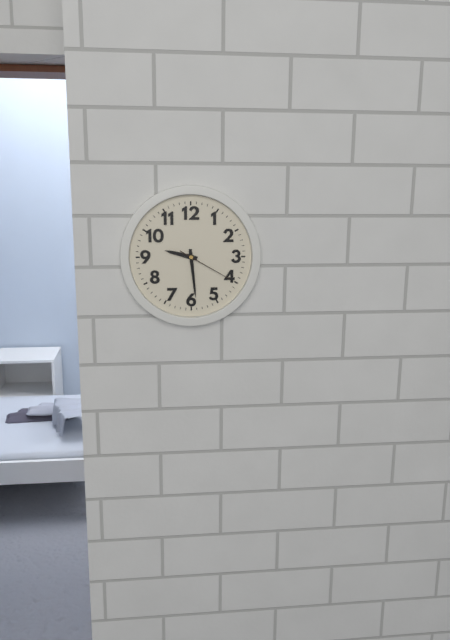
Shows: {"hour": 9, "minute": 29, "second": 20}
